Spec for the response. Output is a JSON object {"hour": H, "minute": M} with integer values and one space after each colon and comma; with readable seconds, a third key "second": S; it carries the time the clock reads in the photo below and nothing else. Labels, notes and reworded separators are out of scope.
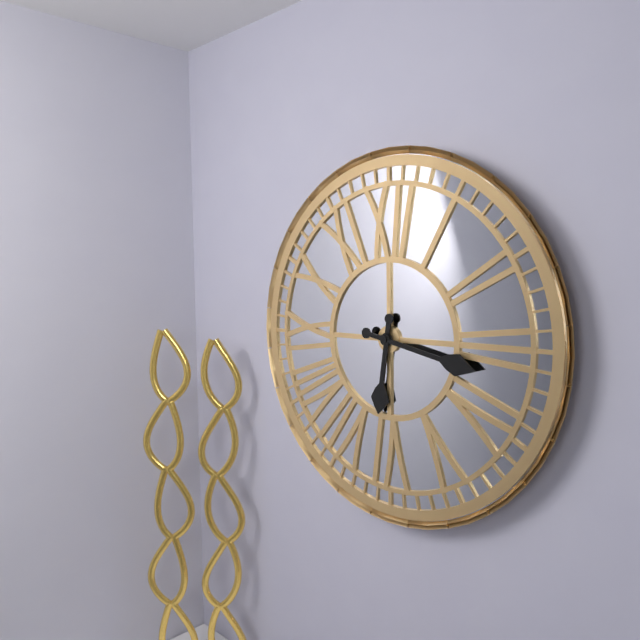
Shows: {"hour": 6, "minute": 17}
